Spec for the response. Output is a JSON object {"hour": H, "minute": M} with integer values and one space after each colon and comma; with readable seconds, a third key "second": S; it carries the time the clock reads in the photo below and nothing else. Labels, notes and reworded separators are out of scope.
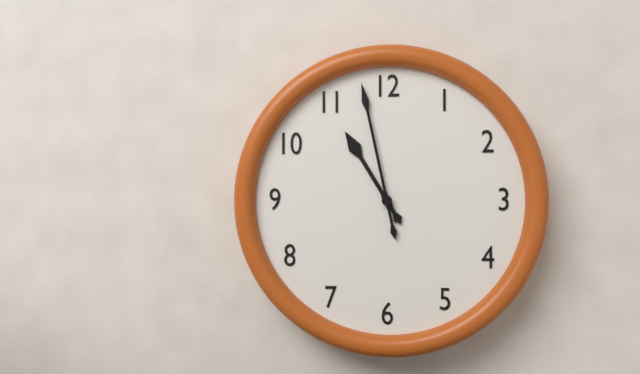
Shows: {"hour": 10, "minute": 58}
